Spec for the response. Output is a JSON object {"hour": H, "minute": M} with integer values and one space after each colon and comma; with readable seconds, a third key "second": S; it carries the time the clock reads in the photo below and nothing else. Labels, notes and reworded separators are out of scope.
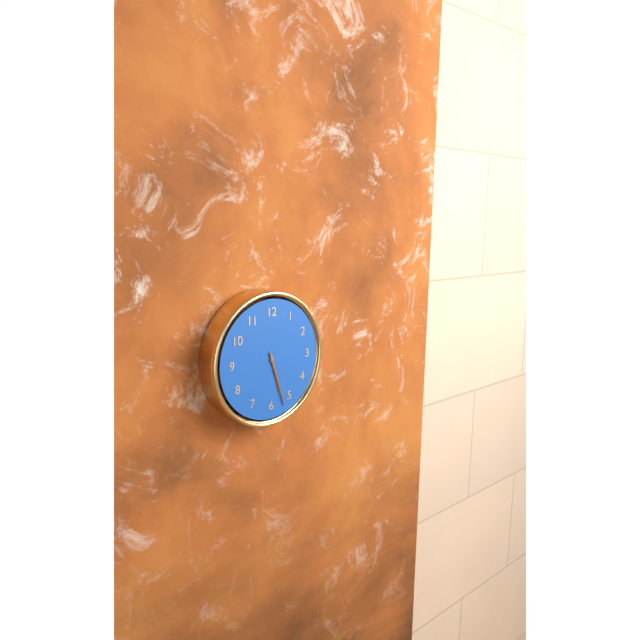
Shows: {"hour": 5, "minute": 27}
